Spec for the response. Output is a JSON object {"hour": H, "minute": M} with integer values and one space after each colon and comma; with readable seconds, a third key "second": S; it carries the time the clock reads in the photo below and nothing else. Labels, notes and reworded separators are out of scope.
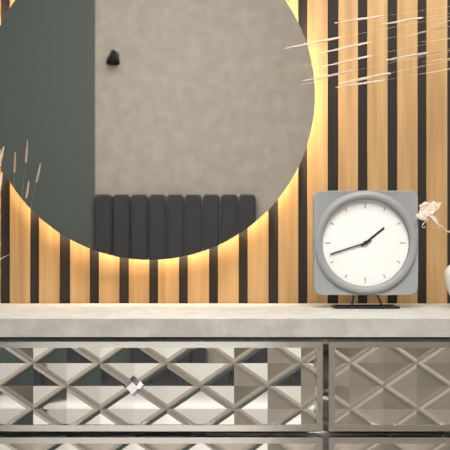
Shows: {"hour": 1, "minute": 42}
